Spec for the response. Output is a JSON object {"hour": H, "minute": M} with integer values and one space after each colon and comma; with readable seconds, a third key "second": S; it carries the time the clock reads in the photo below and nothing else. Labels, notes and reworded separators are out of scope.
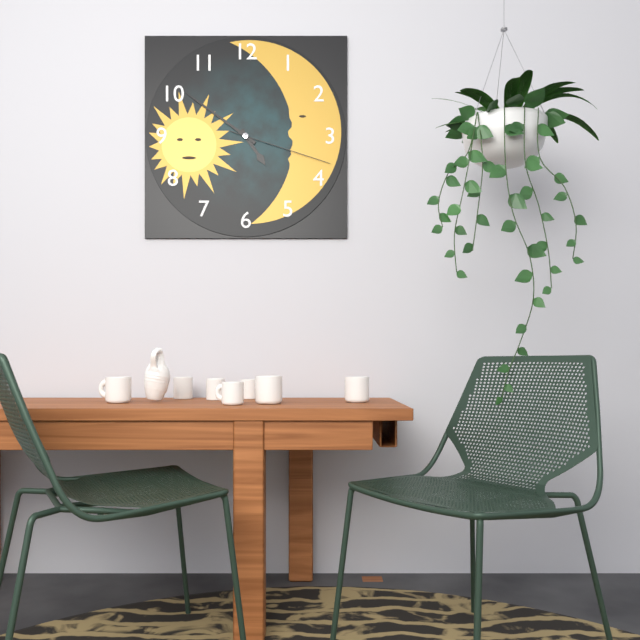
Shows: {"hour": 4, "minute": 51, "second": 18}
